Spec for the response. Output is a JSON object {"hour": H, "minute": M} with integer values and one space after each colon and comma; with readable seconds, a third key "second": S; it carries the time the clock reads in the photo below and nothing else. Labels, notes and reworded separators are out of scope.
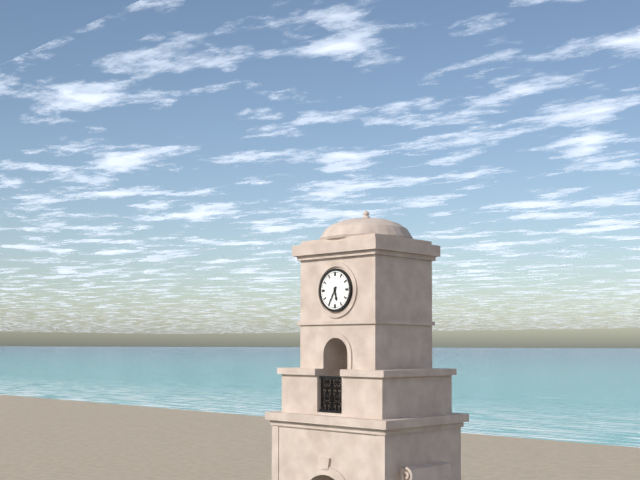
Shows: {"hour": 5, "minute": 35}
